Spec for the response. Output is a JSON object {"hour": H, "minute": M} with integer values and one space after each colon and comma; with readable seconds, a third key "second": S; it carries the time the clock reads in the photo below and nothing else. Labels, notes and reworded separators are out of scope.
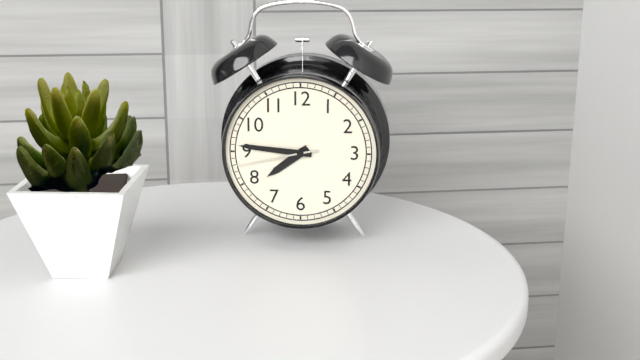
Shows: {"hour": 7, "minute": 46, "second": 43}
